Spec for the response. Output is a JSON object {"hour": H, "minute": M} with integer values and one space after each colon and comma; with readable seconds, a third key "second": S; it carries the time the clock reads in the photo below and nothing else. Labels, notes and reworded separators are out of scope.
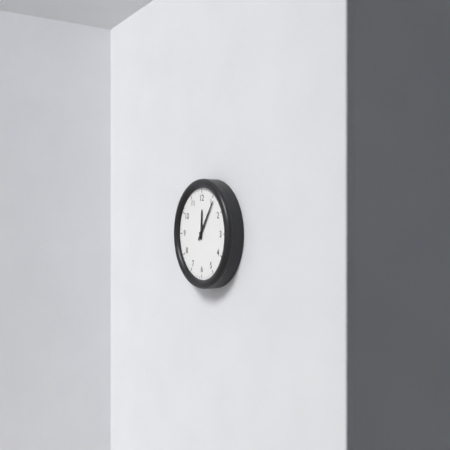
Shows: {"hour": 12, "minute": 6}
